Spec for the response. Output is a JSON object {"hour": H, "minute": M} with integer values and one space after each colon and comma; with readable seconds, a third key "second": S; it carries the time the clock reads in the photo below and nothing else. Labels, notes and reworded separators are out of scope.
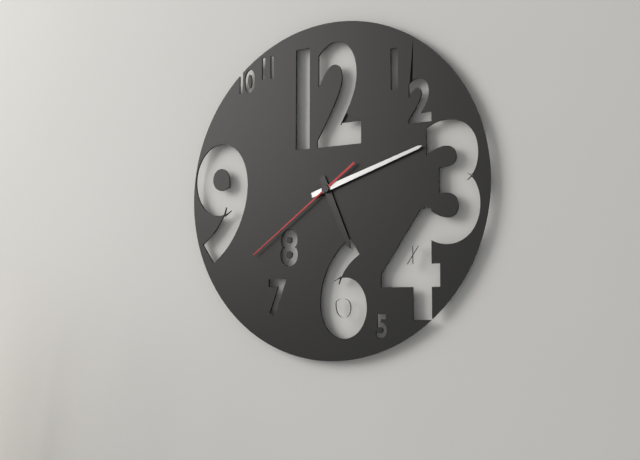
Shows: {"hour": 5, "minute": 12, "second": 39}
